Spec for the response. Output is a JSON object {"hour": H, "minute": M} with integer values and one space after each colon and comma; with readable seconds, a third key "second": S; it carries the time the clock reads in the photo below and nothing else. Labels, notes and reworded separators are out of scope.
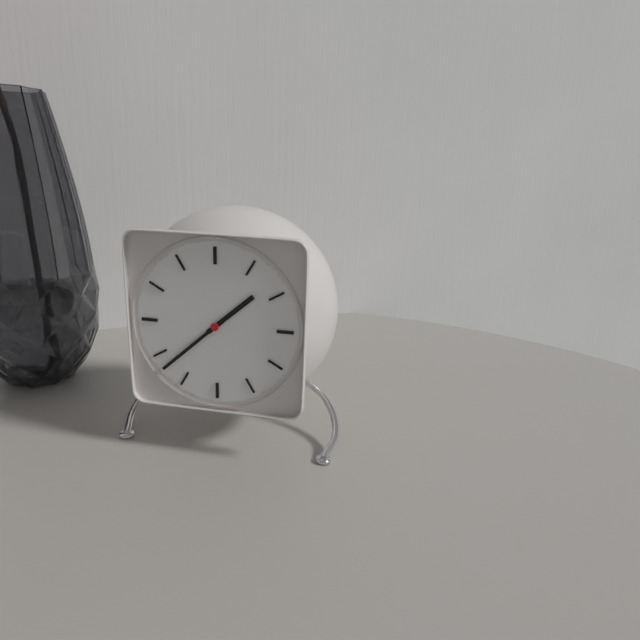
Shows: {"hour": 1, "minute": 38}
